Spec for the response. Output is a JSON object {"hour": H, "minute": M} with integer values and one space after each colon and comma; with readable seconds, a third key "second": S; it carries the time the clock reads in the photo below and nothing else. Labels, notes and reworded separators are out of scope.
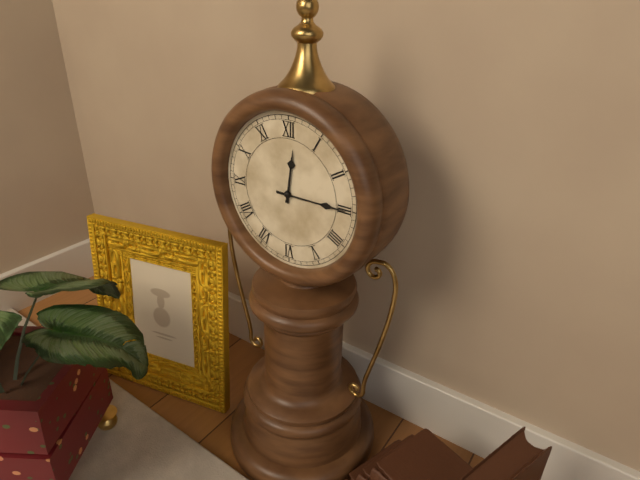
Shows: {"hour": 12, "minute": 15}
